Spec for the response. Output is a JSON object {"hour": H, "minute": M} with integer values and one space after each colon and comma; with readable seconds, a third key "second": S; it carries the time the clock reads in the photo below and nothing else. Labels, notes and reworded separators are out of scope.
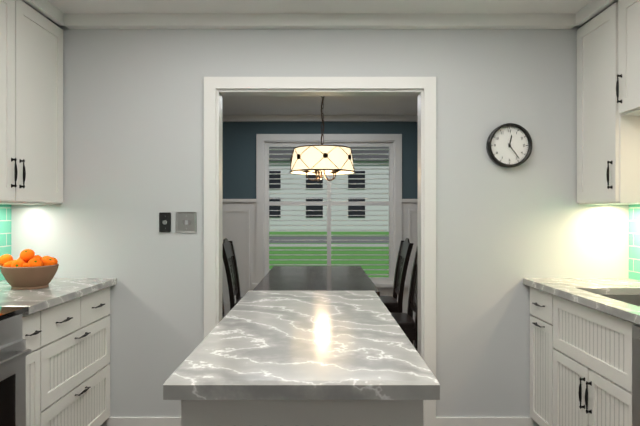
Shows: {"hour": 12, "minute": 24}
